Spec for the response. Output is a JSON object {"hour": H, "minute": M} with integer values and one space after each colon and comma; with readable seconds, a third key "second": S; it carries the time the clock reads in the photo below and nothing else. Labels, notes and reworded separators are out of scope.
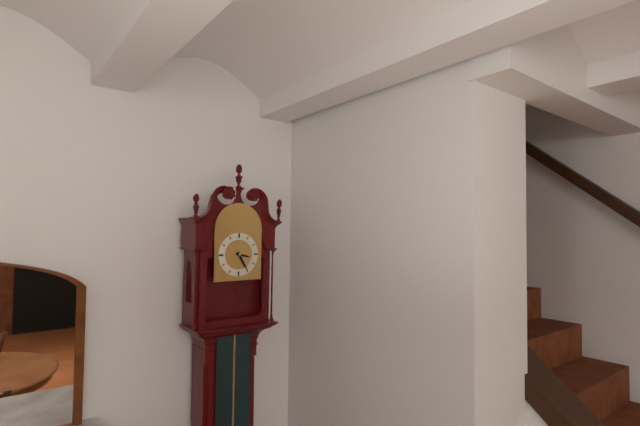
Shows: {"hour": 3, "minute": 25}
